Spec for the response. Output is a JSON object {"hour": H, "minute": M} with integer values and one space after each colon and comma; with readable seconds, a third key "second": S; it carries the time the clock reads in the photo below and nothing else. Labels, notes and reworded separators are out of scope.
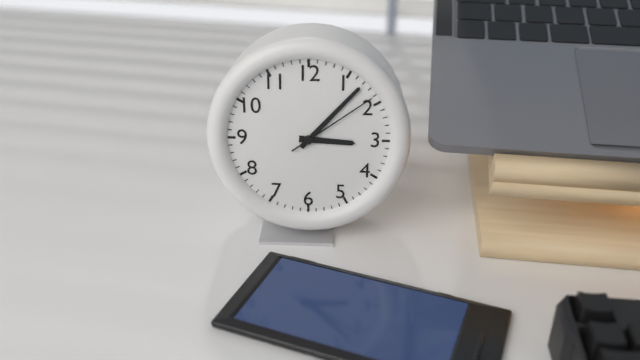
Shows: {"hour": 3, "minute": 7, "second": 9}
